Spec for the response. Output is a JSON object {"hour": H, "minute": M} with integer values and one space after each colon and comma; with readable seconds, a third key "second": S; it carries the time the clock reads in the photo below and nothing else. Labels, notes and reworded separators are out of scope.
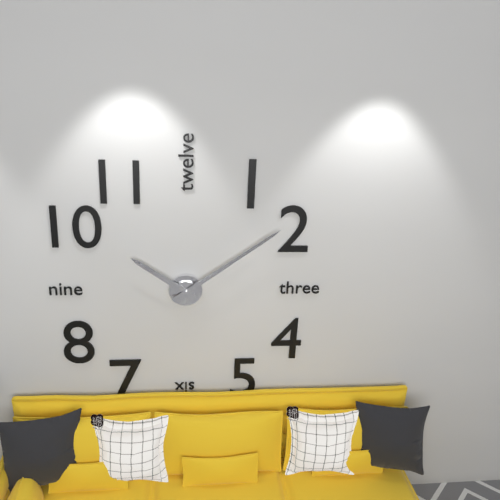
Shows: {"hour": 10, "minute": 9}
